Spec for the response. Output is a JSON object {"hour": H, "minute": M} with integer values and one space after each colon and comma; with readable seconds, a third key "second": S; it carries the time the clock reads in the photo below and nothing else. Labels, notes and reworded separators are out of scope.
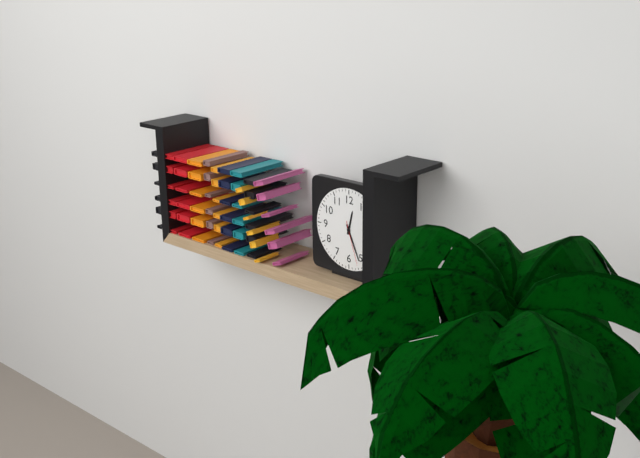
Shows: {"hour": 12, "minute": 26}
